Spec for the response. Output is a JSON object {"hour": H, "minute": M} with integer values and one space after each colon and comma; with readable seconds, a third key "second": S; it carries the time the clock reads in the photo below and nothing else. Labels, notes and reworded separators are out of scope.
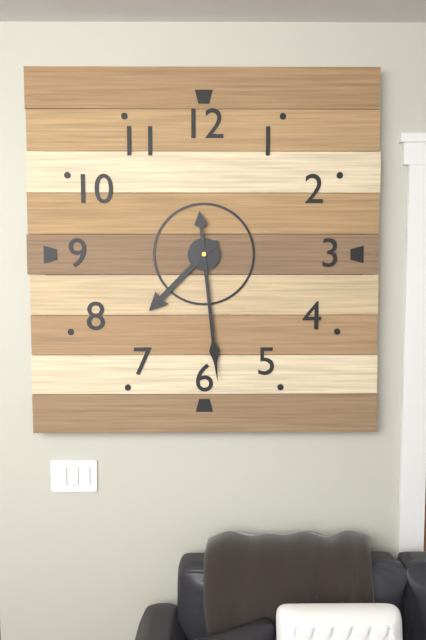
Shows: {"hour": 7, "minute": 29}
